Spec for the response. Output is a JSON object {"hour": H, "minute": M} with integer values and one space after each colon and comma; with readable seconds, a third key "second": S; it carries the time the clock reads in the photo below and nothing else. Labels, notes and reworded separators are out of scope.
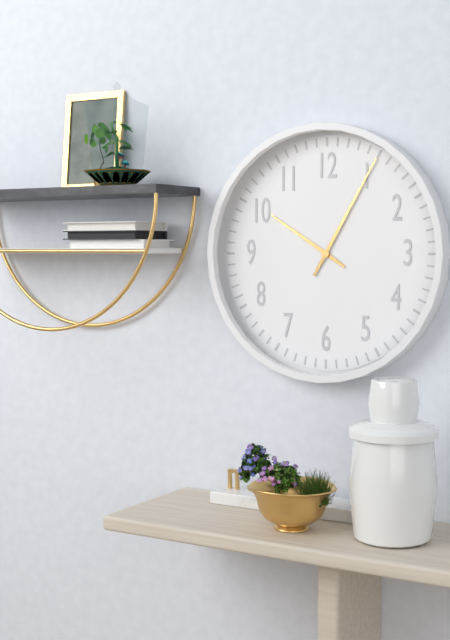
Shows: {"hour": 10, "minute": 5}
